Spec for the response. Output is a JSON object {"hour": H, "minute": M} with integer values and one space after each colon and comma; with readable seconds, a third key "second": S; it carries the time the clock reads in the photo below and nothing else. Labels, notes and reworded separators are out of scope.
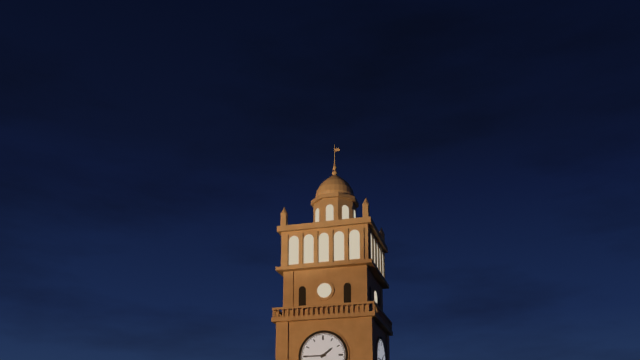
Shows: {"hour": 1, "minute": 45}
